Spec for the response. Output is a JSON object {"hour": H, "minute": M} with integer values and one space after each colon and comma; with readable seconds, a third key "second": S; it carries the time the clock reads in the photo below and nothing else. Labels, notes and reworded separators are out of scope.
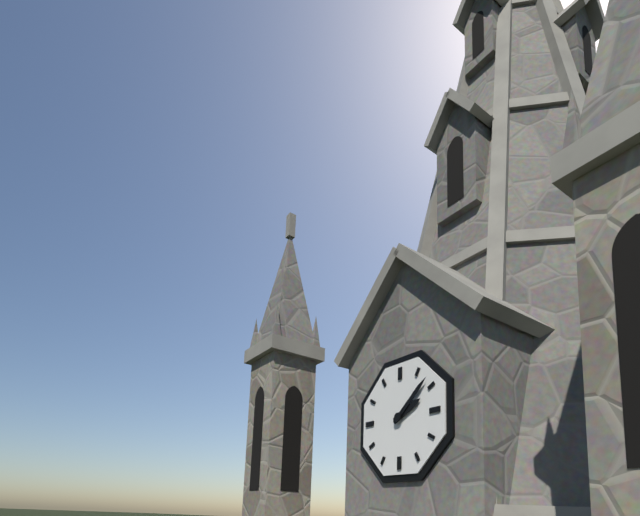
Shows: {"hour": 2, "minute": 8}
